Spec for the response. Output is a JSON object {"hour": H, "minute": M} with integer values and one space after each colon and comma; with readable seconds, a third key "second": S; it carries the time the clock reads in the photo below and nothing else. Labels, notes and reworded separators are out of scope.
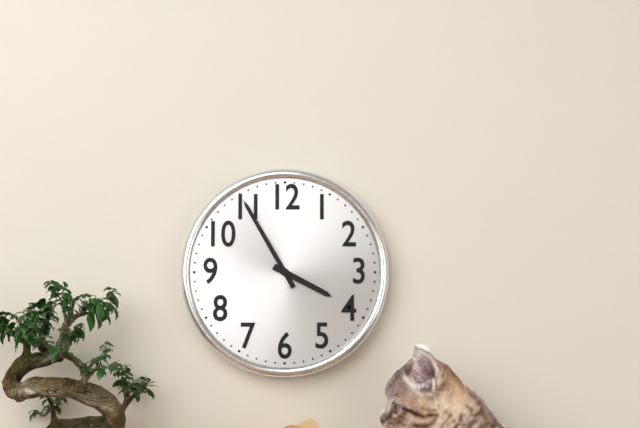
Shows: {"hour": 3, "minute": 55}
